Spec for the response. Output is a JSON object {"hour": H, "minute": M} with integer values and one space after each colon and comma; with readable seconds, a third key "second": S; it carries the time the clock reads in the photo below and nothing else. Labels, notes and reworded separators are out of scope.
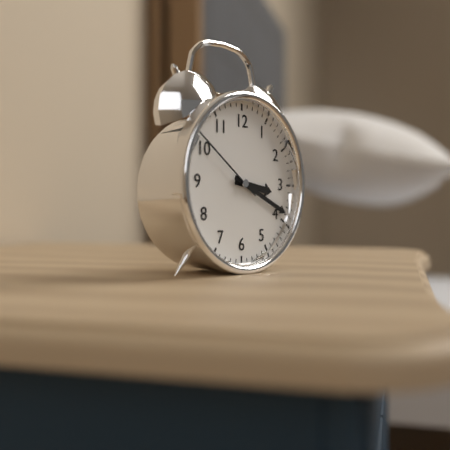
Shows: {"hour": 3, "minute": 19, "second": 51}
